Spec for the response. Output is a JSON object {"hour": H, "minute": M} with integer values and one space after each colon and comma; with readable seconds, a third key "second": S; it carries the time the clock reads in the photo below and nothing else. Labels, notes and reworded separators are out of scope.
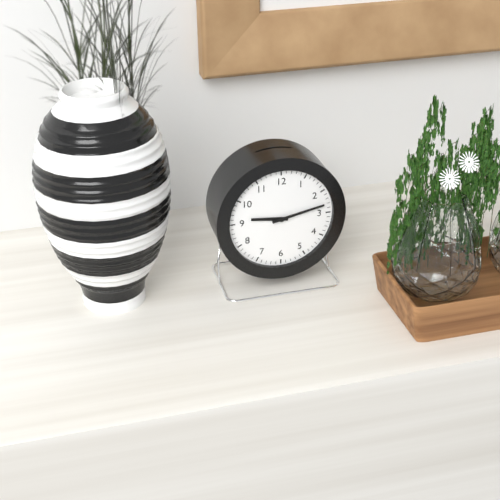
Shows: {"hour": 9, "minute": 13}
